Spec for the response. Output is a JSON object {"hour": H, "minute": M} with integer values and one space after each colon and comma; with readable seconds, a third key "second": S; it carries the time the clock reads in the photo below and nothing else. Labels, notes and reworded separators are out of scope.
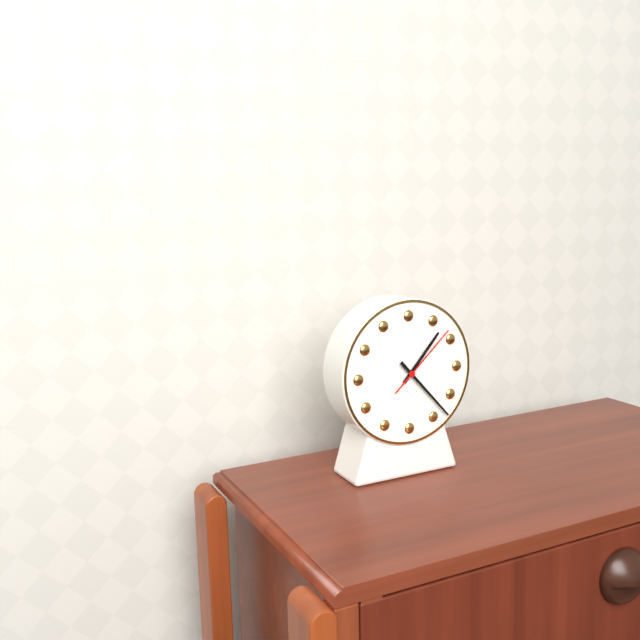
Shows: {"hour": 1, "minute": 23, "second": 8}
